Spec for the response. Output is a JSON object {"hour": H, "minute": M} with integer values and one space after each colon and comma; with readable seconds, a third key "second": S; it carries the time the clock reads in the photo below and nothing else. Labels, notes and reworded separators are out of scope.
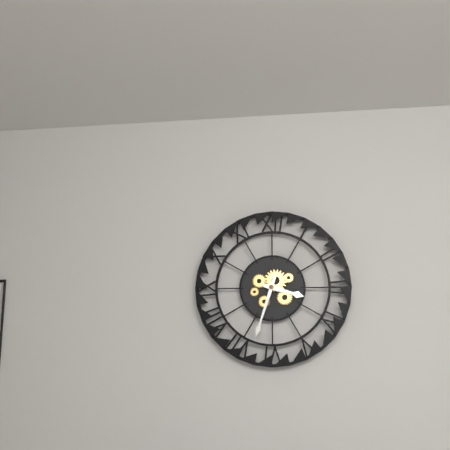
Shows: {"hour": 3, "minute": 33}
